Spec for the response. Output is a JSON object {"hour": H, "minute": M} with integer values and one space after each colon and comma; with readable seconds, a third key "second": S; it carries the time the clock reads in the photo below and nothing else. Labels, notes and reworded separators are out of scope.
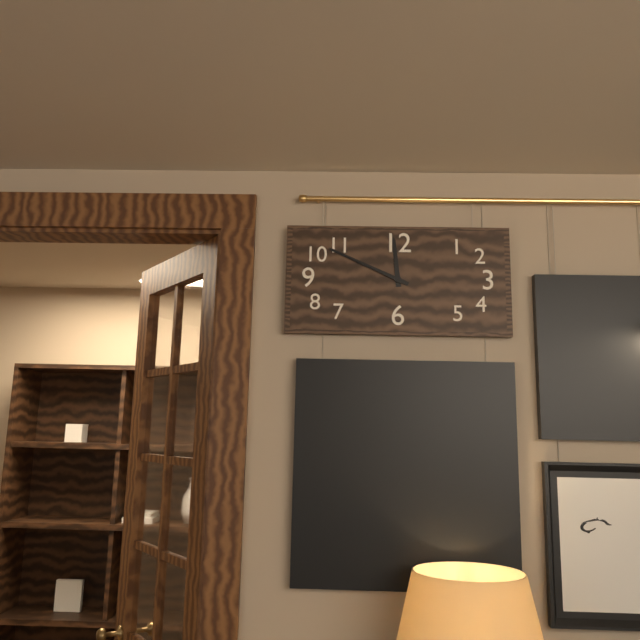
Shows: {"hour": 11, "minute": 49}
